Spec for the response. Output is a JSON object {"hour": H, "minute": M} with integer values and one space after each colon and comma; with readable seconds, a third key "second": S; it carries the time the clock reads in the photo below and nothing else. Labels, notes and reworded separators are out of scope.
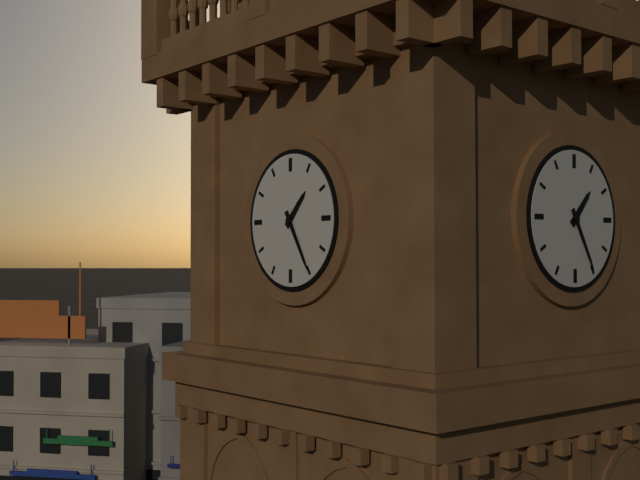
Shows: {"hour": 1, "minute": 25}
